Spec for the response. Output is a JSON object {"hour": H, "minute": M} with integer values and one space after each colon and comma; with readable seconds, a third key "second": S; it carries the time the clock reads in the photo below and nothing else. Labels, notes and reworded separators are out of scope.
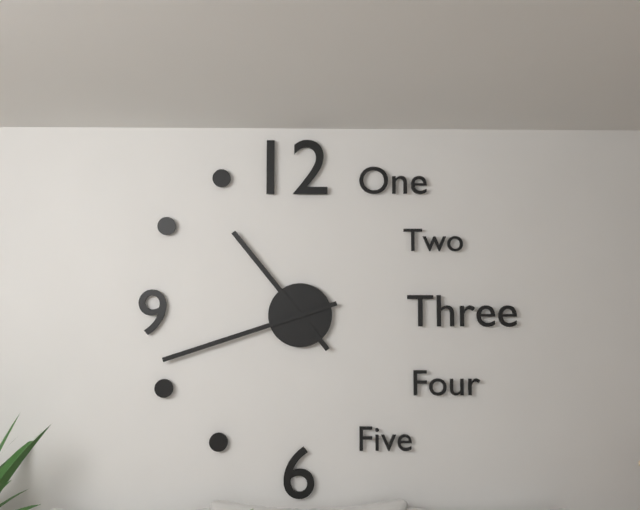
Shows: {"hour": 10, "minute": 42}
